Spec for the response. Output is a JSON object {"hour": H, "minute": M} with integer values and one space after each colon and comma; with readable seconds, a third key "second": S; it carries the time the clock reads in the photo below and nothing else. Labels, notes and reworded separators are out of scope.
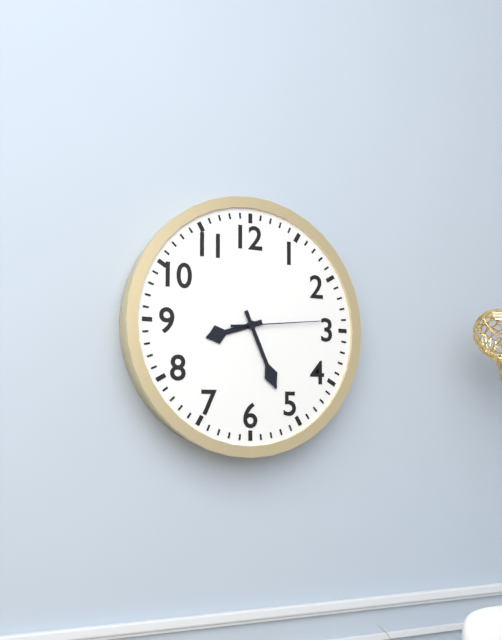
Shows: {"hour": 8, "minute": 26, "second": 14}
